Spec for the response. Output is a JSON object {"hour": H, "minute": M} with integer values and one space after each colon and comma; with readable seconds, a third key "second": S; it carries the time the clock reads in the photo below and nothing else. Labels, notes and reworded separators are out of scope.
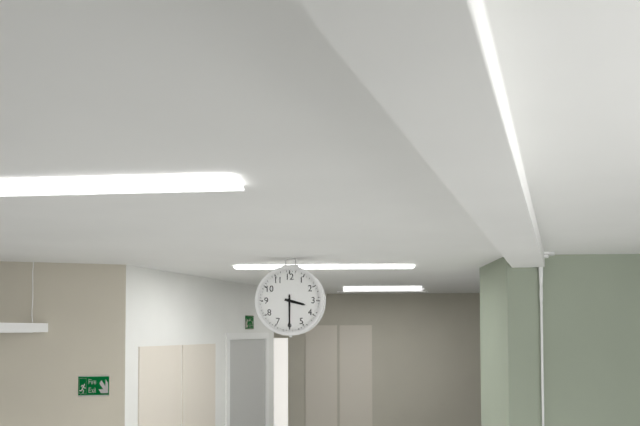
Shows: {"hour": 3, "minute": 30}
